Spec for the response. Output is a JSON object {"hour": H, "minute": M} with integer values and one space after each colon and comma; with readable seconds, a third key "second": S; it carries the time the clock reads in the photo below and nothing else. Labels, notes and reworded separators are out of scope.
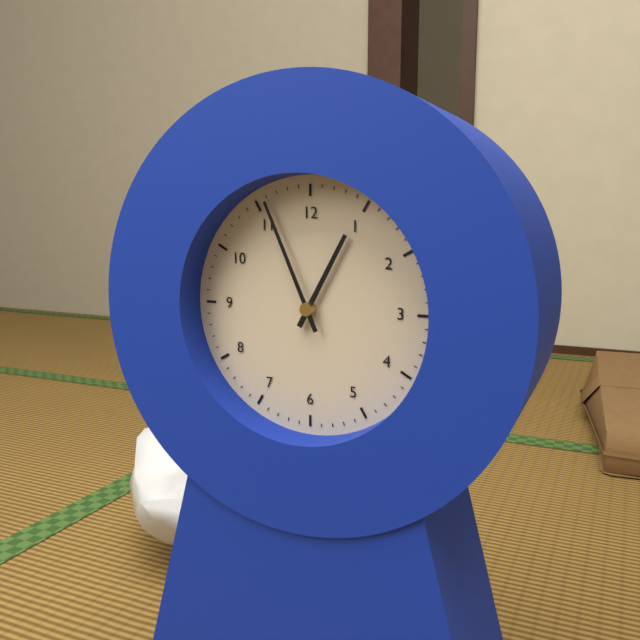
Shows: {"hour": 12, "minute": 56}
